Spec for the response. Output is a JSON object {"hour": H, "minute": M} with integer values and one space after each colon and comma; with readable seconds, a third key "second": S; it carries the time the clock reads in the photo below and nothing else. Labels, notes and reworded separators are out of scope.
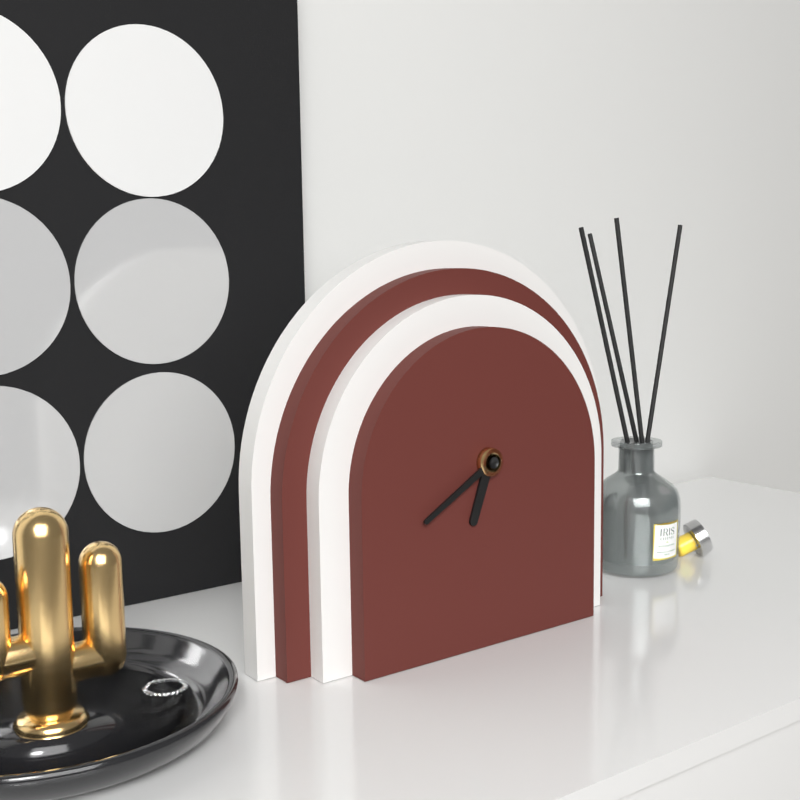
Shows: {"hour": 6, "minute": 40}
